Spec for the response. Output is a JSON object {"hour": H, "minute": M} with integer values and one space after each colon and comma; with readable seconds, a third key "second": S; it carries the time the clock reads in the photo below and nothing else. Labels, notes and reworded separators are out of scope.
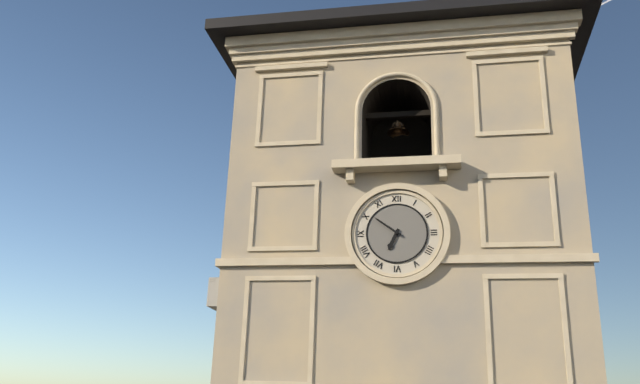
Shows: {"hour": 6, "minute": 51}
